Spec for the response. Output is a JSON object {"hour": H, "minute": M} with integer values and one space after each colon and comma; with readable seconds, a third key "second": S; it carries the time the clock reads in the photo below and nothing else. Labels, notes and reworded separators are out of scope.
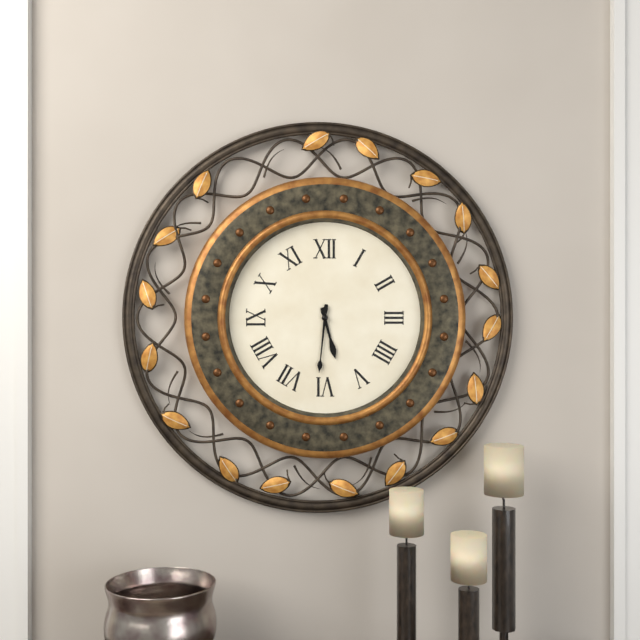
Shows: {"hour": 5, "minute": 31}
